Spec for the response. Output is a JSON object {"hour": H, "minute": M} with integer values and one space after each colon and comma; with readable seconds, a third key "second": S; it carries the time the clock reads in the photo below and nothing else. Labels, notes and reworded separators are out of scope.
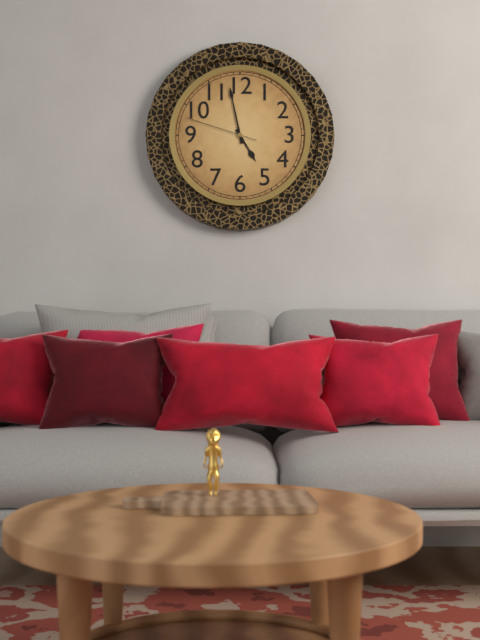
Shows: {"hour": 4, "minute": 58, "second": 48}
